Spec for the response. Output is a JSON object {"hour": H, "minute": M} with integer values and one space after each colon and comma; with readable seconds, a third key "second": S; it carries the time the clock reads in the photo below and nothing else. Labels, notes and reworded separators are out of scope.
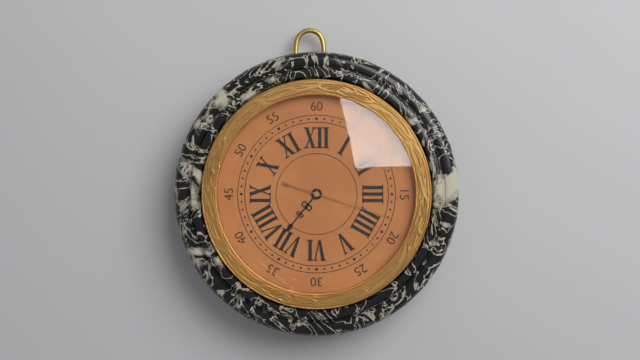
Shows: {"hour": 7, "minute": 18}
